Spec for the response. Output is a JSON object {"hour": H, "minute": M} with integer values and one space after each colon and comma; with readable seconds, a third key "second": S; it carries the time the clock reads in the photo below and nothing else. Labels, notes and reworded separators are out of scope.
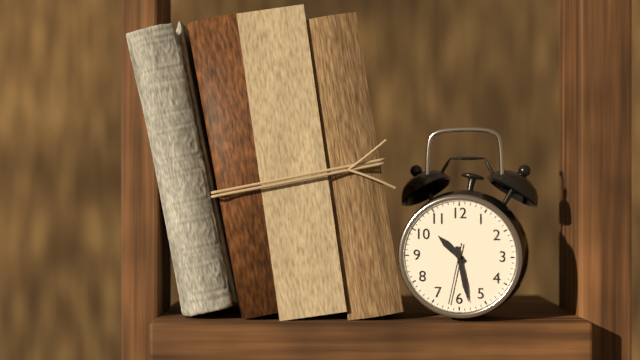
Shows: {"hour": 10, "minute": 28, "second": 32}
